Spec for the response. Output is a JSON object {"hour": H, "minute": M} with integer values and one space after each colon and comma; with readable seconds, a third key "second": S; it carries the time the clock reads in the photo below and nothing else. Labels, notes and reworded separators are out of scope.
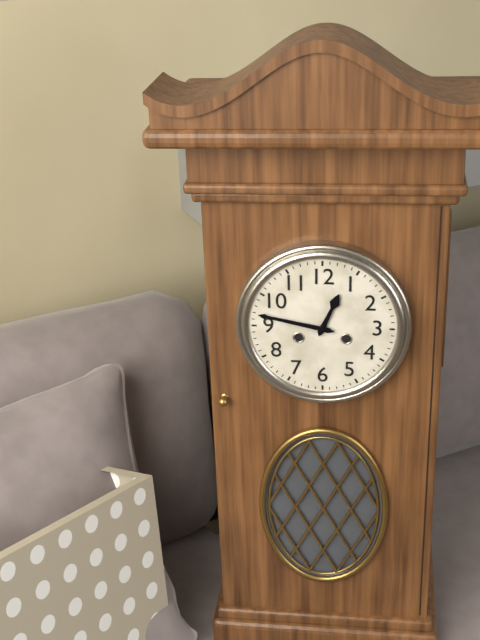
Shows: {"hour": 12, "minute": 47}
